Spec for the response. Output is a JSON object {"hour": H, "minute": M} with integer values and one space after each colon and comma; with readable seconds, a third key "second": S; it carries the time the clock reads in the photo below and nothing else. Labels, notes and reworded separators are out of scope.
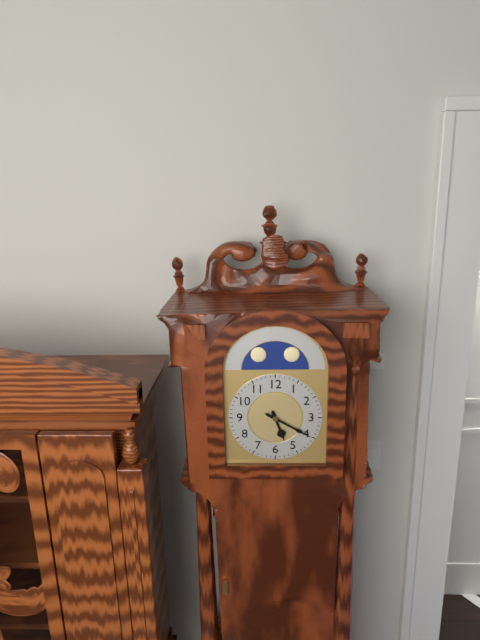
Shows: {"hour": 5, "minute": 20}
